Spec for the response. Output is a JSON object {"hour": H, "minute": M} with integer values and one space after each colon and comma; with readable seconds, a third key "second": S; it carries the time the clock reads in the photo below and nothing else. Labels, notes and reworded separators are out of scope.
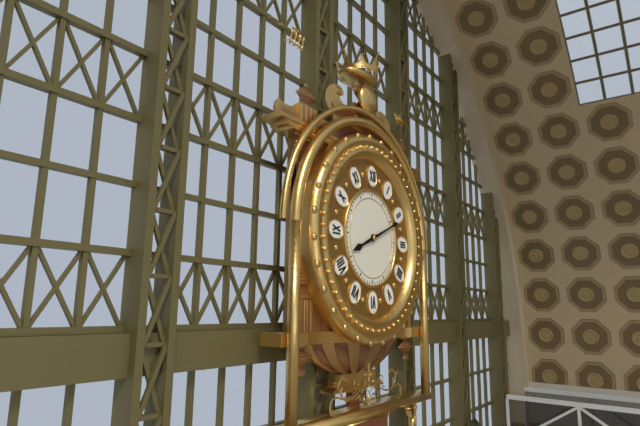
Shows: {"hour": 8, "minute": 11}
